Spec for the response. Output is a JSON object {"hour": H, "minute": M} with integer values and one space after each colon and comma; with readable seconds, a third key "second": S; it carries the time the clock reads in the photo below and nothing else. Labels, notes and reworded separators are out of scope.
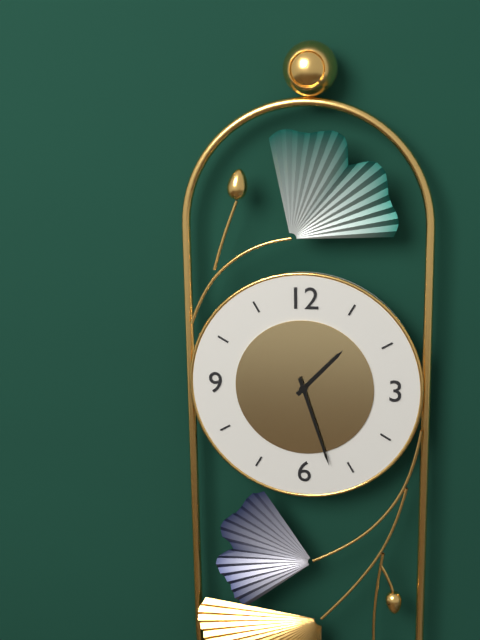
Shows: {"hour": 1, "minute": 27}
